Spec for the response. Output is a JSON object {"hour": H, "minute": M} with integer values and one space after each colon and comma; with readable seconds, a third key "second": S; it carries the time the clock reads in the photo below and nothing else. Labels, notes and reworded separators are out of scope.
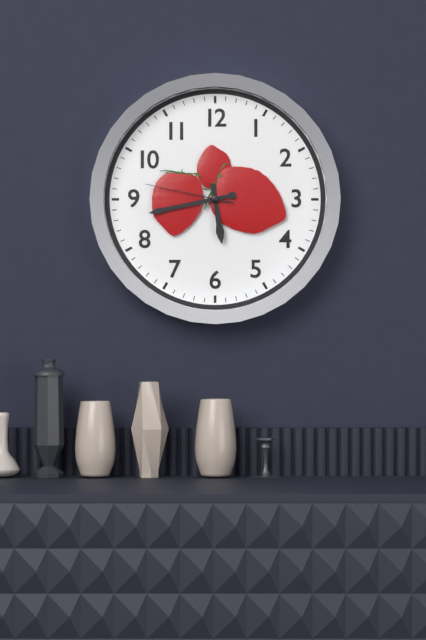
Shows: {"hour": 5, "minute": 43, "second": 47}
